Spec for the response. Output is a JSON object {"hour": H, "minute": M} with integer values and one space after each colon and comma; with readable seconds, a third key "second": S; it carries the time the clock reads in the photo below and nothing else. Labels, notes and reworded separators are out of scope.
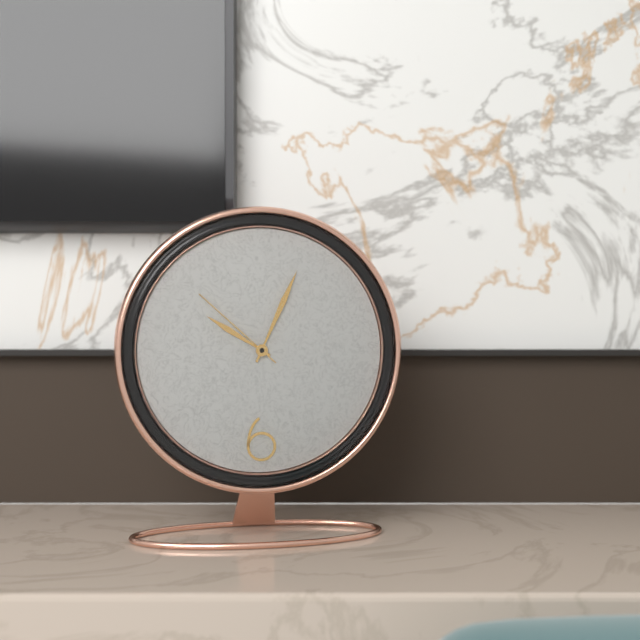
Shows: {"hour": 10, "minute": 4, "second": 52}
